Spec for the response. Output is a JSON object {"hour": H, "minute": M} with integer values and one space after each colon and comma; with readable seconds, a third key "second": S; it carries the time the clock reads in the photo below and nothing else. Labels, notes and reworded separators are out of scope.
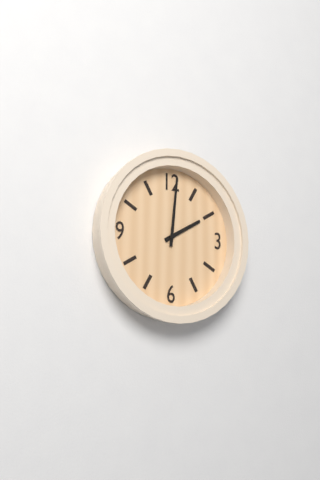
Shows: {"hour": 2, "minute": 1}
